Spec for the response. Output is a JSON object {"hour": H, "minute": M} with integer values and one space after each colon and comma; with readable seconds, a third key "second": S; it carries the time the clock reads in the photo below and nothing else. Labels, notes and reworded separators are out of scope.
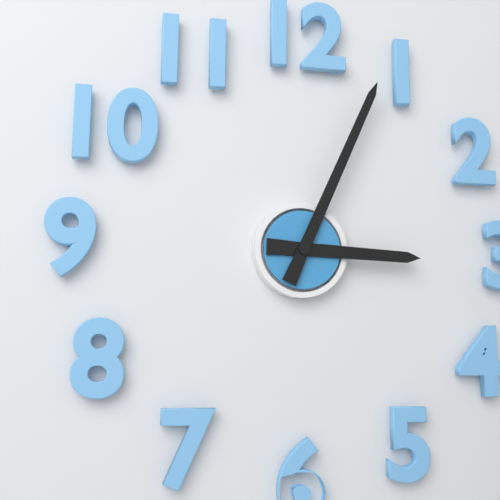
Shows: {"hour": 3, "minute": 4}
